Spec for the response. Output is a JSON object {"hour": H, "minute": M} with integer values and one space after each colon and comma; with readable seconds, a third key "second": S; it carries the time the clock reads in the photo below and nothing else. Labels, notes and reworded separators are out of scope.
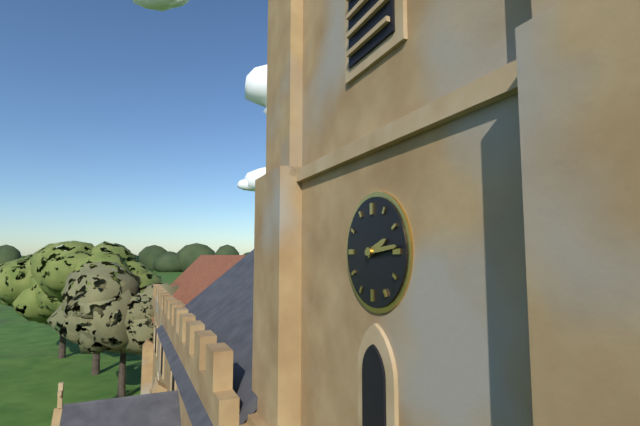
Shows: {"hour": 2, "minute": 14}
